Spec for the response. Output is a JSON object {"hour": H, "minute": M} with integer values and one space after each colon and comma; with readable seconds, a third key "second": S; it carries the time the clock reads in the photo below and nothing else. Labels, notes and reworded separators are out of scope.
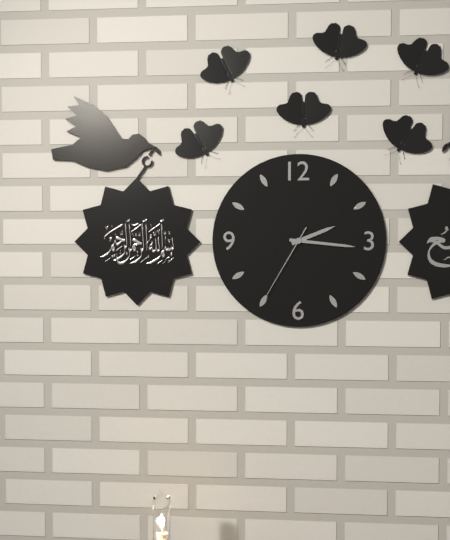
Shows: {"hour": 2, "minute": 16, "second": 35}
